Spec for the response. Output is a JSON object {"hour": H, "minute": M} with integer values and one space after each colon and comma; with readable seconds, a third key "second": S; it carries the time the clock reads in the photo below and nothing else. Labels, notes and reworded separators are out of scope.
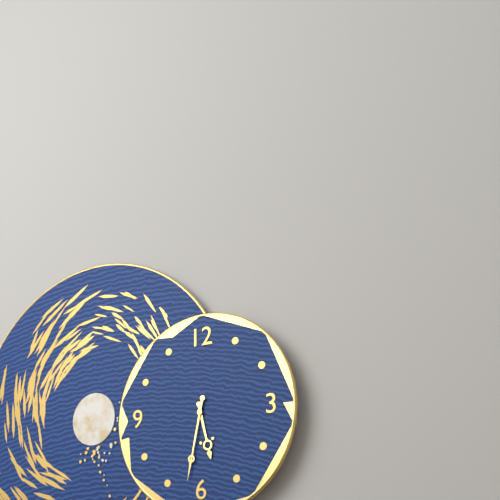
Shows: {"hour": 5, "minute": 32}
